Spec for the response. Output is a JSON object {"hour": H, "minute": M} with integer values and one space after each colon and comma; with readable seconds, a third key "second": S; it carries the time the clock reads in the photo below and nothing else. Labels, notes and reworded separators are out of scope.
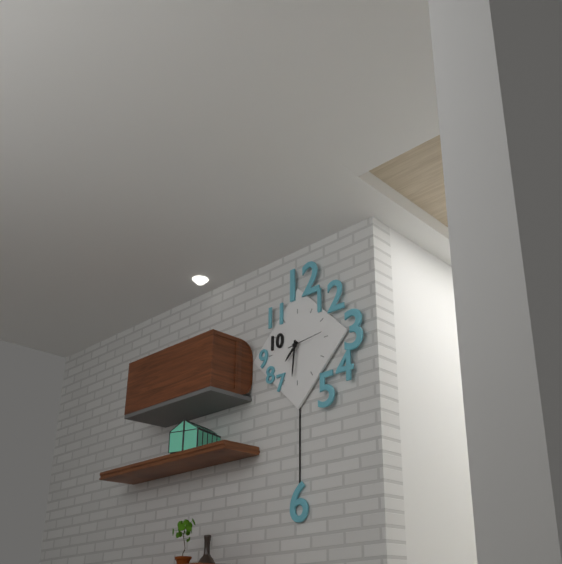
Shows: {"hour": 7, "minute": 31}
